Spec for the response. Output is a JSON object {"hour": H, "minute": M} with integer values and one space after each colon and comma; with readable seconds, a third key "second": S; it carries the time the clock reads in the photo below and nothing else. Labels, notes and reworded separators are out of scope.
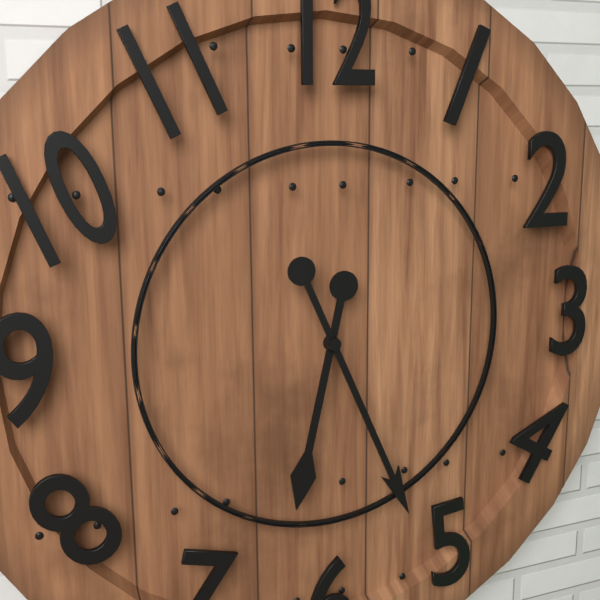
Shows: {"hour": 6, "minute": 26}
